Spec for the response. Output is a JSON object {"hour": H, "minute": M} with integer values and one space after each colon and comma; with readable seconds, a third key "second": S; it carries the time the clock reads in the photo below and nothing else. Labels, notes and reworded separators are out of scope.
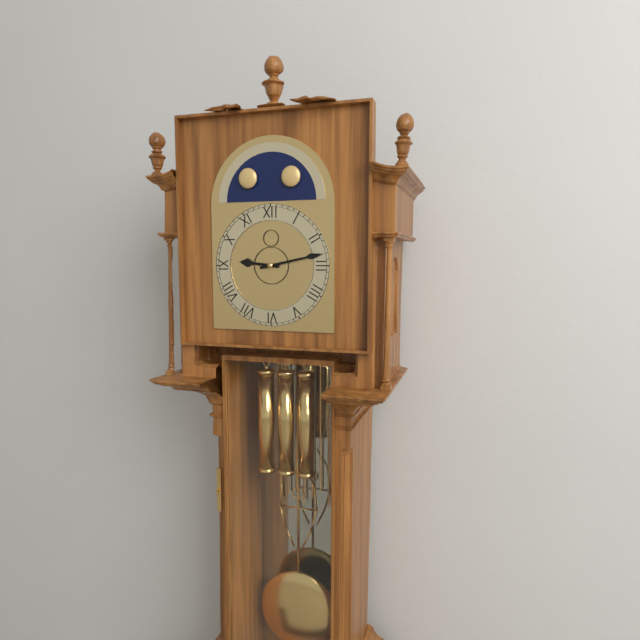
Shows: {"hour": 9, "minute": 13}
